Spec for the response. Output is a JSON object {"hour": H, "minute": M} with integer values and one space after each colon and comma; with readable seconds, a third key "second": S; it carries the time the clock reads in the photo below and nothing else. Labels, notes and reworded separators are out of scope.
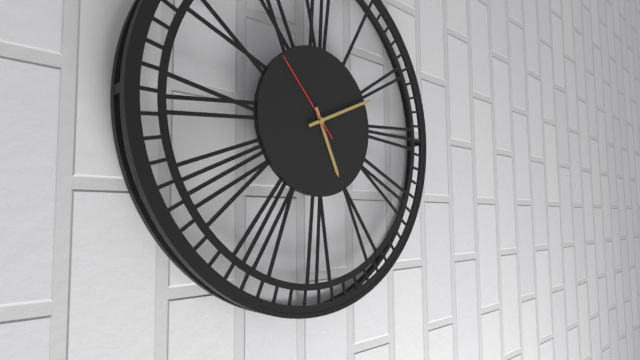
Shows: {"hour": 5, "minute": 11, "second": 53}
